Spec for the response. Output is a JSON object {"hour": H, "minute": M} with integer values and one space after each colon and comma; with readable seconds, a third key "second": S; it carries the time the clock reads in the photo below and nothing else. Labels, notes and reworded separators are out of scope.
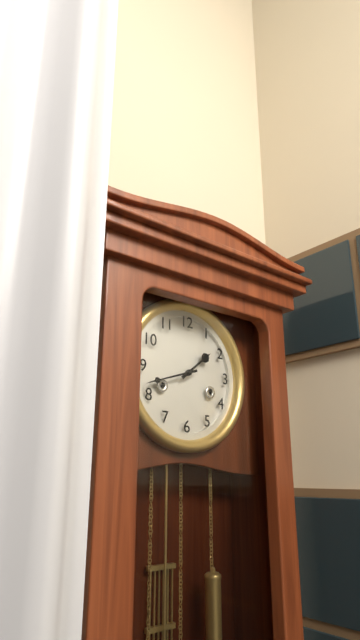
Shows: {"hour": 1, "minute": 42}
